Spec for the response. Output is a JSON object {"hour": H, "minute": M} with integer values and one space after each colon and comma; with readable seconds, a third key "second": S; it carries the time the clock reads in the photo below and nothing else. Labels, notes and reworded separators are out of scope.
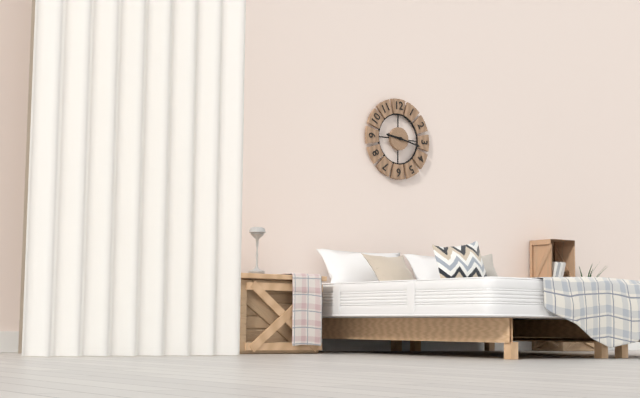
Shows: {"hour": 9, "minute": 17}
